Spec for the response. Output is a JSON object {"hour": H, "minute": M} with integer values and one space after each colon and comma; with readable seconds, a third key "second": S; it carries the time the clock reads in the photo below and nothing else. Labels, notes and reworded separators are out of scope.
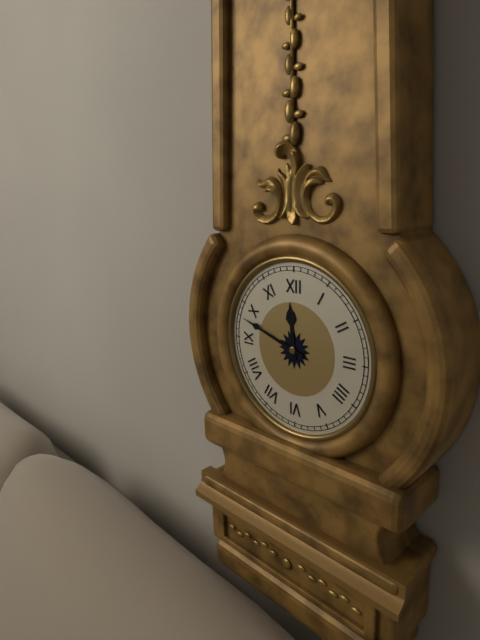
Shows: {"hour": 11, "minute": 48}
